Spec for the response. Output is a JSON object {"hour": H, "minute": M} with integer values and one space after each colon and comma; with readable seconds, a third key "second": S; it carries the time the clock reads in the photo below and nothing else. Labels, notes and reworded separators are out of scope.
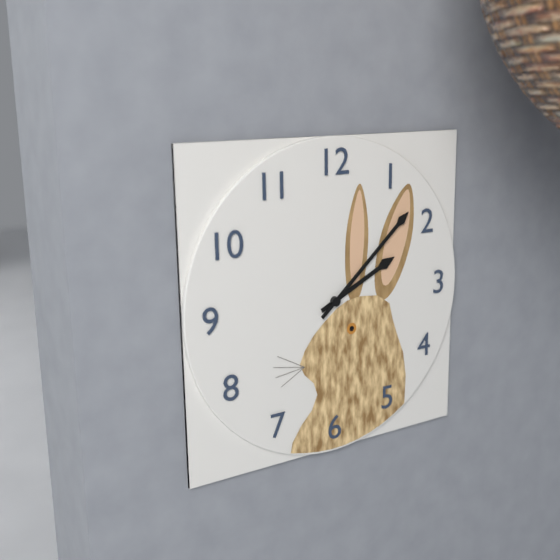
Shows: {"hour": 2, "minute": 8}
